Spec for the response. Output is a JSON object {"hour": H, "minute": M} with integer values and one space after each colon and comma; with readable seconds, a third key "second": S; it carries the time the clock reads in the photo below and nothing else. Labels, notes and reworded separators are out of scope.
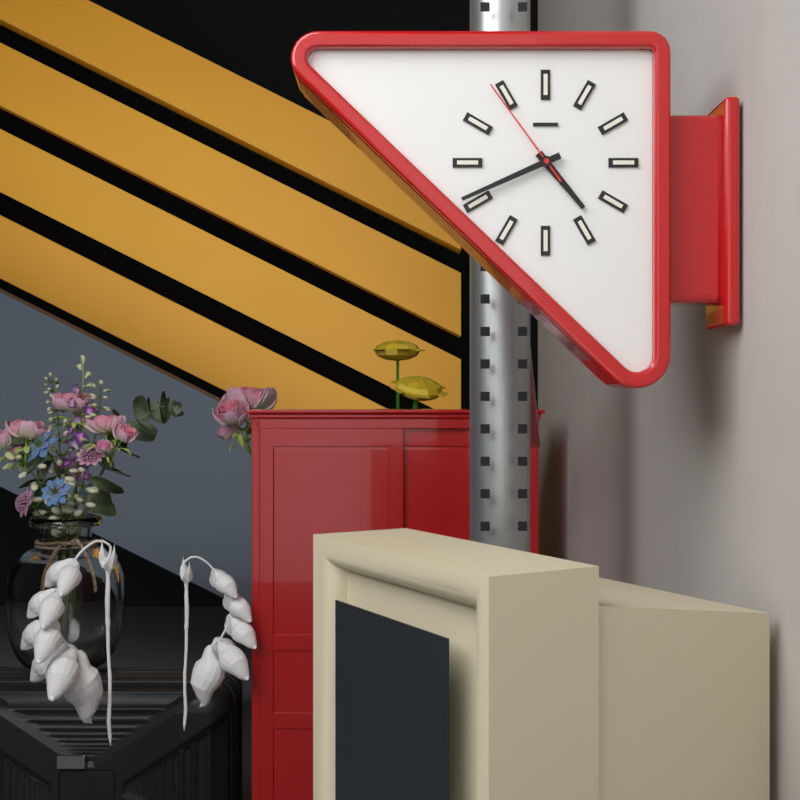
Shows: {"hour": 4, "minute": 41, "second": 54}
